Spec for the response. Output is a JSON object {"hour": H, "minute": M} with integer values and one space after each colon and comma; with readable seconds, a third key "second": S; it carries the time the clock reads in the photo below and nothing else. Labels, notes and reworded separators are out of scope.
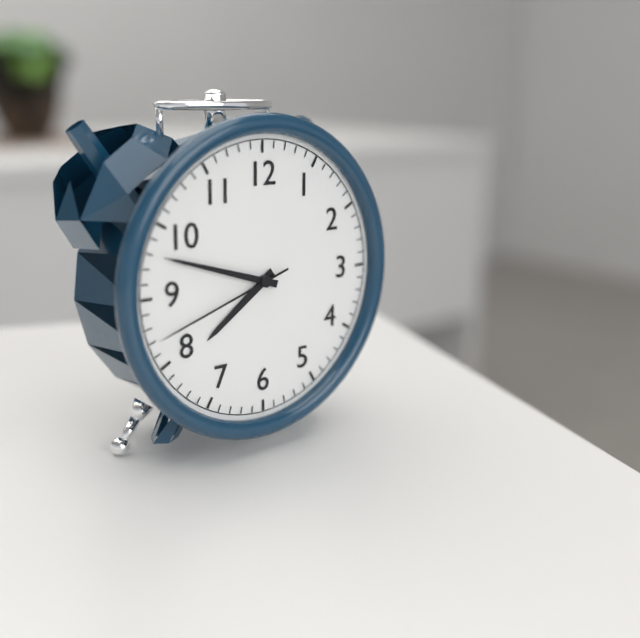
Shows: {"hour": 7, "minute": 48, "second": 42}
